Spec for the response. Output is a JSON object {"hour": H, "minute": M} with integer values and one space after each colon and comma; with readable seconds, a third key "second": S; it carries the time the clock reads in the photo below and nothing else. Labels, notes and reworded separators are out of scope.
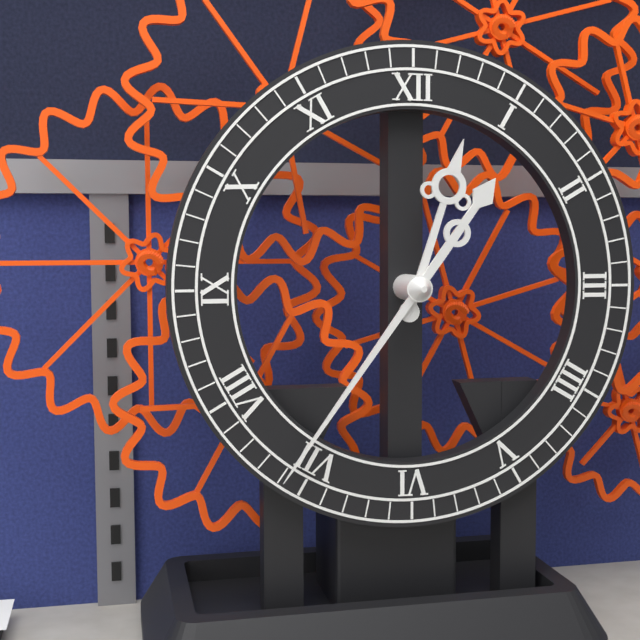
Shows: {"hour": 12, "minute": 36}
